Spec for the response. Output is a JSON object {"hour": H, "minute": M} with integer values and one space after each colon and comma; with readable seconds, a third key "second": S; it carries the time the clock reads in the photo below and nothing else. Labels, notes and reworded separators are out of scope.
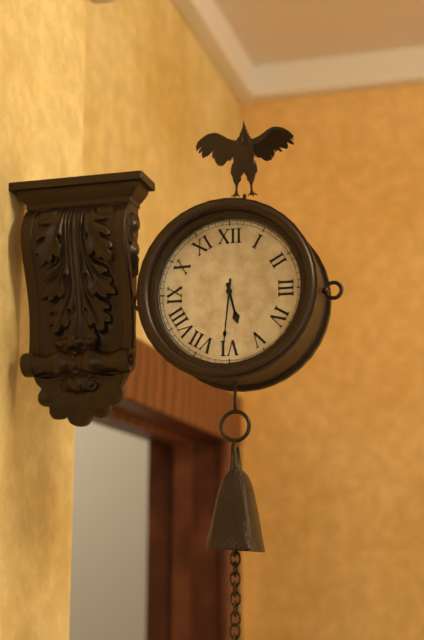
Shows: {"hour": 5, "minute": 31}
